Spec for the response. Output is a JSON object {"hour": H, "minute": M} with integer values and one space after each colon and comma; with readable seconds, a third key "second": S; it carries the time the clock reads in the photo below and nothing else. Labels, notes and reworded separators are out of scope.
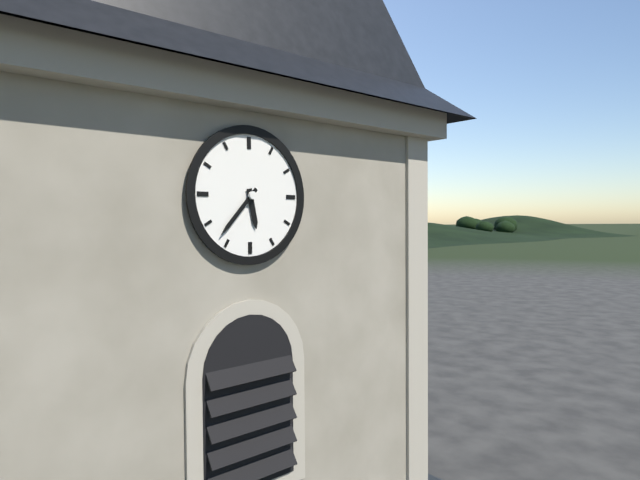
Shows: {"hour": 5, "minute": 37}
